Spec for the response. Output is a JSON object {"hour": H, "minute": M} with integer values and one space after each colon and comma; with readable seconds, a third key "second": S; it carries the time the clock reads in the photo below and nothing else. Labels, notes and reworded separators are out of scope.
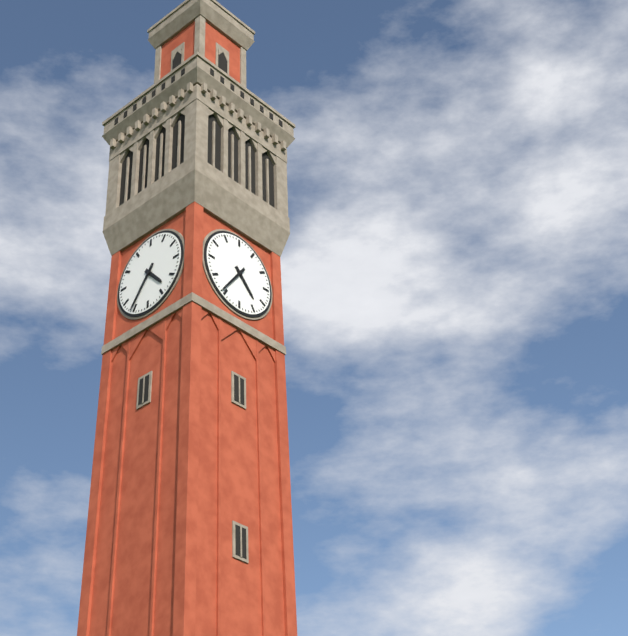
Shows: {"hour": 4, "minute": 36}
